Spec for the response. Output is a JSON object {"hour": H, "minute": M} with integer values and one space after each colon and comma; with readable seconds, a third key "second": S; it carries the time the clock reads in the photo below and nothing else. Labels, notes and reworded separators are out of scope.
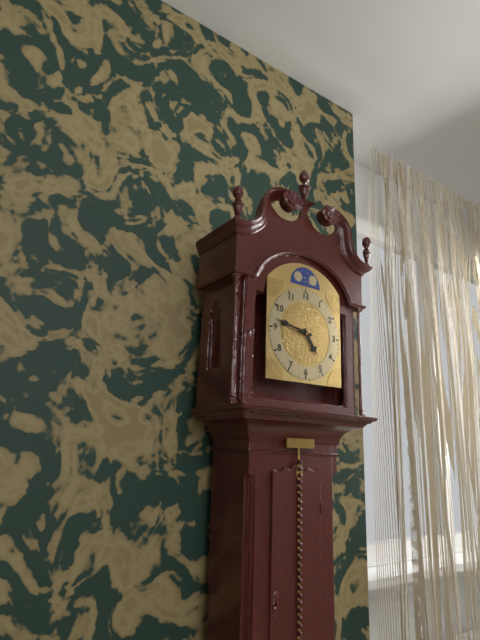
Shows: {"hour": 4, "minute": 47}
